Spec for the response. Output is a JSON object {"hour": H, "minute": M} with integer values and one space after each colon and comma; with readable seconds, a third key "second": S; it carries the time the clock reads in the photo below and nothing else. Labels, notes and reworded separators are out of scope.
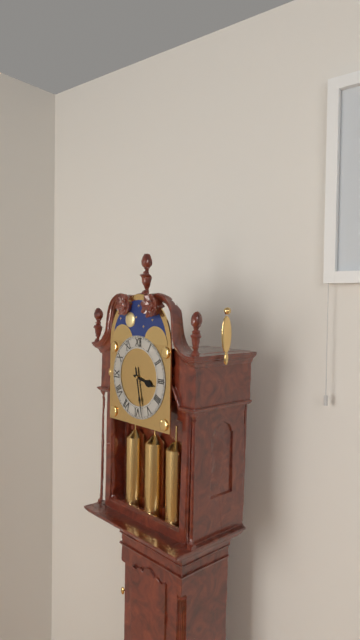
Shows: {"hour": 3, "minute": 28}
